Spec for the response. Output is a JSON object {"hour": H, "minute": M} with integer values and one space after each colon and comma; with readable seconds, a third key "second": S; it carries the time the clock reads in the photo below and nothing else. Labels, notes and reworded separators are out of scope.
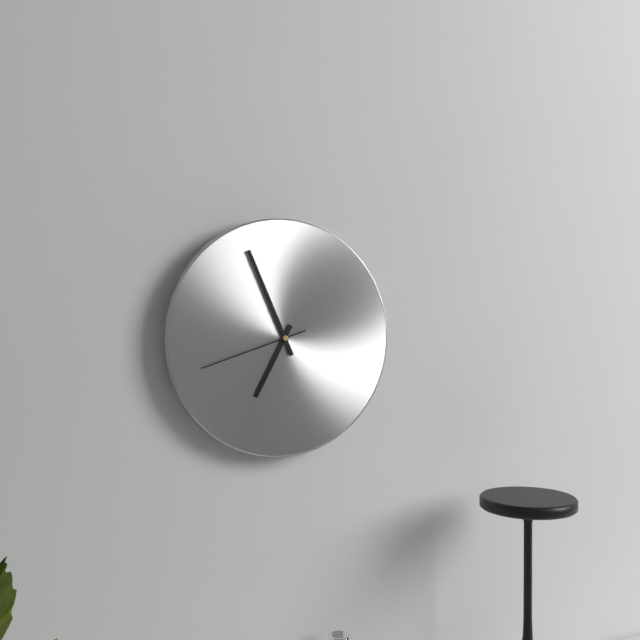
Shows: {"hour": 6, "minute": 56, "second": 42}
